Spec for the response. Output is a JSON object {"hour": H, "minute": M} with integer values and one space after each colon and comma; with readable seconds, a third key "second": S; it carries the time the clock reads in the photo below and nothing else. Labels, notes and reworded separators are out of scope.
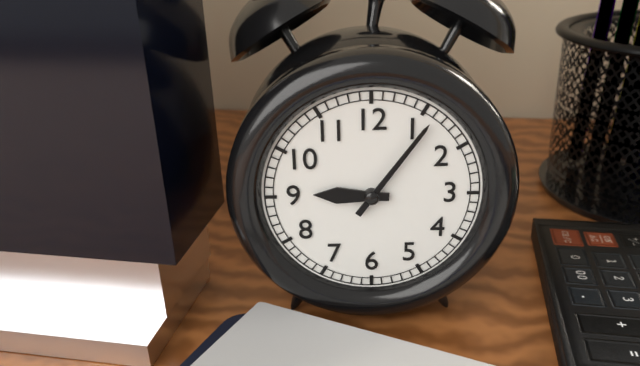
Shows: {"hour": 9, "minute": 6}
